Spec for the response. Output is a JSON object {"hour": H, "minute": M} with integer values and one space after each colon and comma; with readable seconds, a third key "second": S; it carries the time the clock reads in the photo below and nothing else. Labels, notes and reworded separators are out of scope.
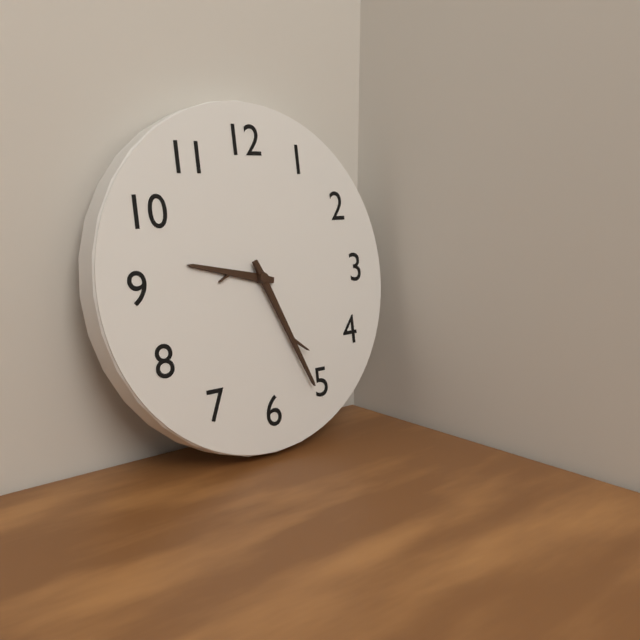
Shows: {"hour": 9, "minute": 26}
